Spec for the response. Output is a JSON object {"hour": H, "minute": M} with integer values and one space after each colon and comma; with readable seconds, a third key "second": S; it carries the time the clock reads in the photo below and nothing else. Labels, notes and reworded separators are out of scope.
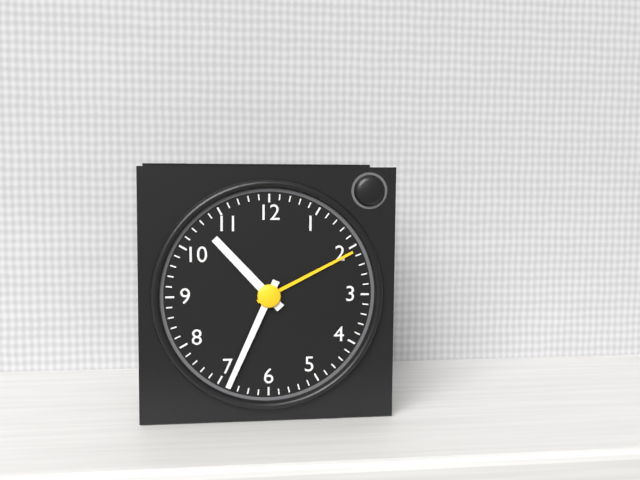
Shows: {"hour": 10, "minute": 34}
